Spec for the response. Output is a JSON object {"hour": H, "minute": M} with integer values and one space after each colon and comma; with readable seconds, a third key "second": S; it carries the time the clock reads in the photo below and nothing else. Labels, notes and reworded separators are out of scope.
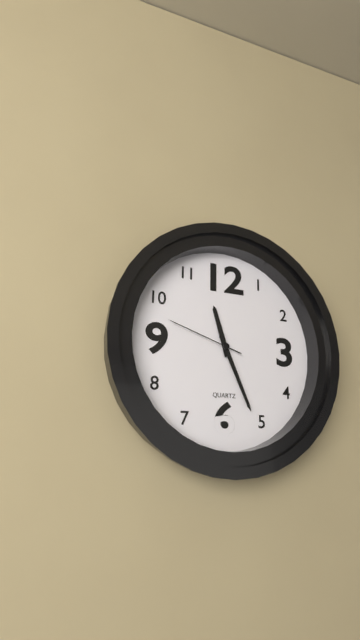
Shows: {"hour": 11, "minute": 26, "second": 48}
